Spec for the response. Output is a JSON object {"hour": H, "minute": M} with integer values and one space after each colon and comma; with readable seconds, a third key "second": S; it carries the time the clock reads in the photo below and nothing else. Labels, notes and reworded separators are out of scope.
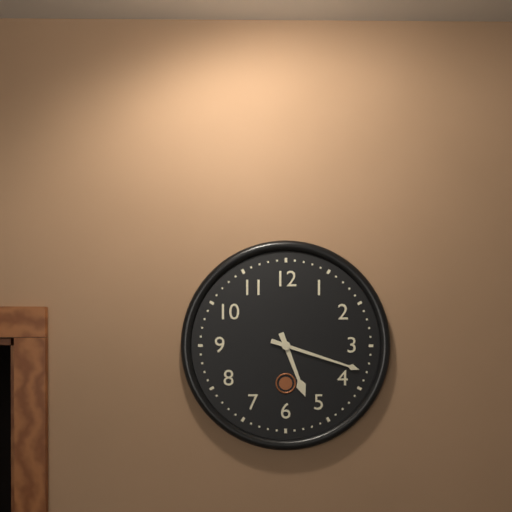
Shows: {"hour": 5, "minute": 18}
